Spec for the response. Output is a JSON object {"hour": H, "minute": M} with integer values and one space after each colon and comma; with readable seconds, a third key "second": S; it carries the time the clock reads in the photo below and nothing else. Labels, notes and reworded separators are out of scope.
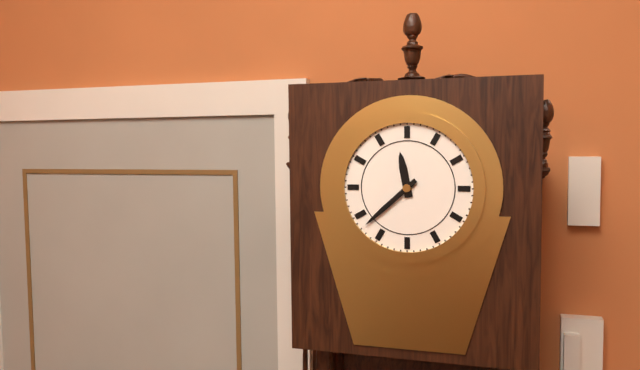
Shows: {"hour": 11, "minute": 38}
